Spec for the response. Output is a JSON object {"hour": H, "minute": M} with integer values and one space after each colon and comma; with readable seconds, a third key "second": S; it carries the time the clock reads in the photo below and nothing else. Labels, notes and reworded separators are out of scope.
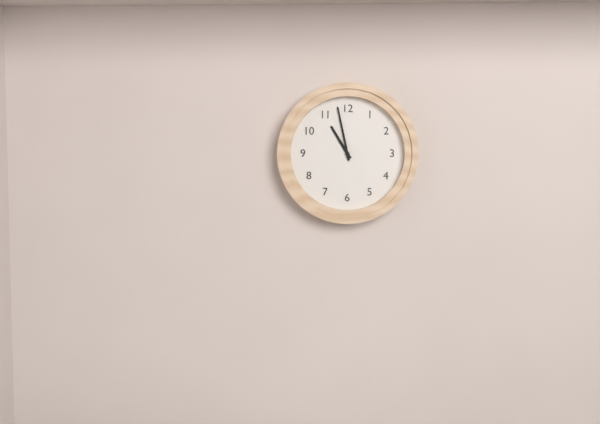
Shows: {"hour": 10, "minute": 58}
